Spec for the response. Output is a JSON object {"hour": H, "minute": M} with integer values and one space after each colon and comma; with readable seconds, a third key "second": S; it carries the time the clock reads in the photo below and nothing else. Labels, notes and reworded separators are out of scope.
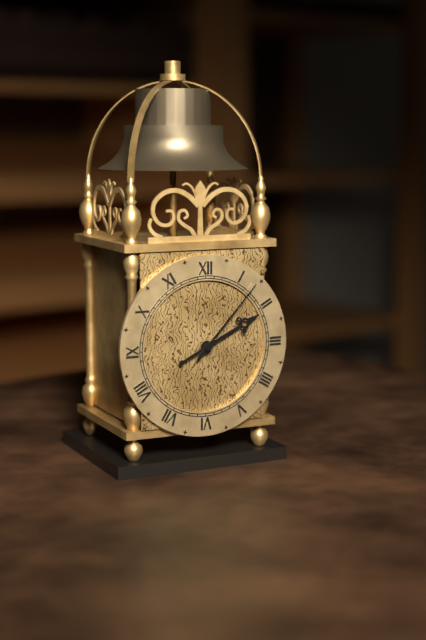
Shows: {"hour": 2, "minute": 7}
